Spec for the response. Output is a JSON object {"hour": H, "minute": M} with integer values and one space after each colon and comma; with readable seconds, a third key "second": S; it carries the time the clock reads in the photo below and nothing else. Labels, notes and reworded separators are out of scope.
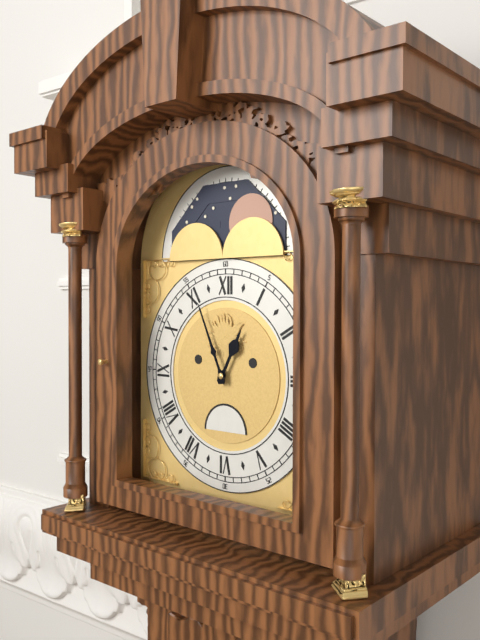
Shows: {"hour": 12, "minute": 56}
